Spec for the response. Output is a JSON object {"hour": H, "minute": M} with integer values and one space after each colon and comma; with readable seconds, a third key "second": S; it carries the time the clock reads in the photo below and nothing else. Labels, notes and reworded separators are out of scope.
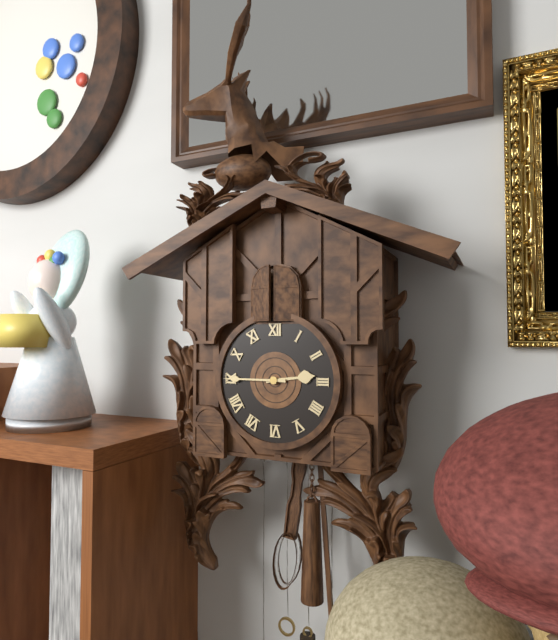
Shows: {"hour": 2, "minute": 45}
